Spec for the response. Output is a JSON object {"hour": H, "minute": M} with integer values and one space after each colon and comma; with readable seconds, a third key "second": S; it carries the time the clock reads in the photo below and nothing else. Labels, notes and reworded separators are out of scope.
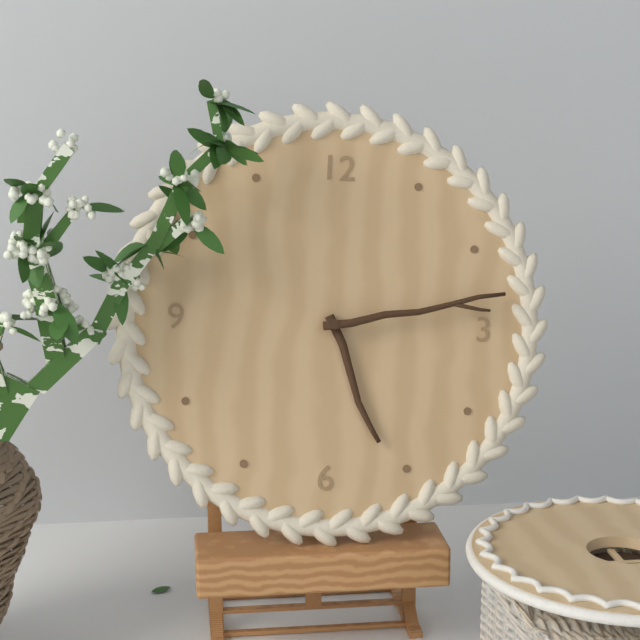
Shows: {"hour": 5, "minute": 13}
